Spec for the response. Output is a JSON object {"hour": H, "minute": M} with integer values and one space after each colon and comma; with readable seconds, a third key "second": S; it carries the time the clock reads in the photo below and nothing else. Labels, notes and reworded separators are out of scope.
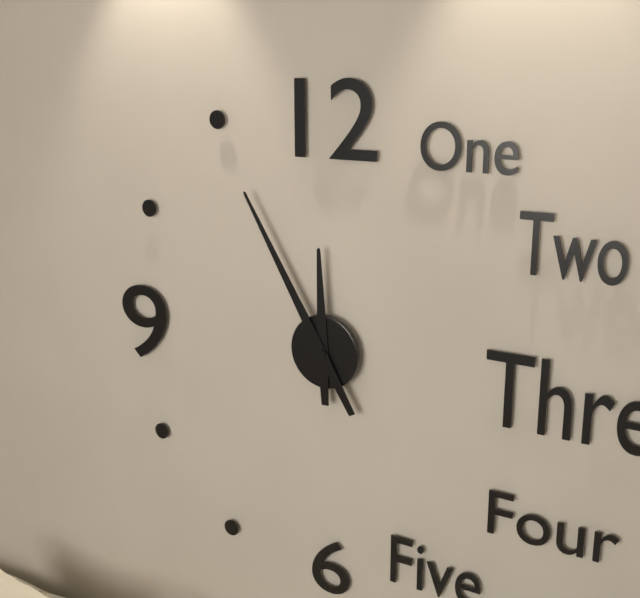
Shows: {"hour": 11, "minute": 55}
